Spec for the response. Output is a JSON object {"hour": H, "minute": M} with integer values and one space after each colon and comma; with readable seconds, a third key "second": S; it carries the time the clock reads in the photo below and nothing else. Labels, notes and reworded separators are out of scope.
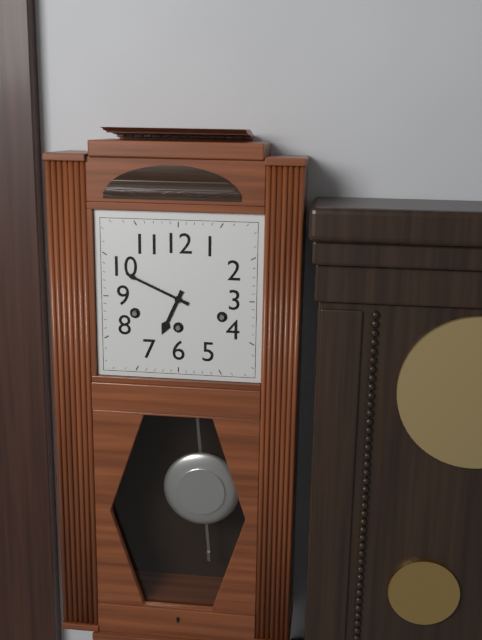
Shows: {"hour": 6, "minute": 49}
